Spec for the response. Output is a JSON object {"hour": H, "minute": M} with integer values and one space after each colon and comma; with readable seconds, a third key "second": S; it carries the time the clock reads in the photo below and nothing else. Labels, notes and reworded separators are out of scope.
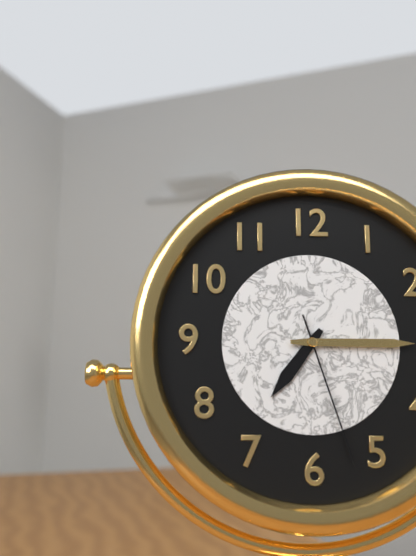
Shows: {"hour": 7, "minute": 15, "second": 27}
